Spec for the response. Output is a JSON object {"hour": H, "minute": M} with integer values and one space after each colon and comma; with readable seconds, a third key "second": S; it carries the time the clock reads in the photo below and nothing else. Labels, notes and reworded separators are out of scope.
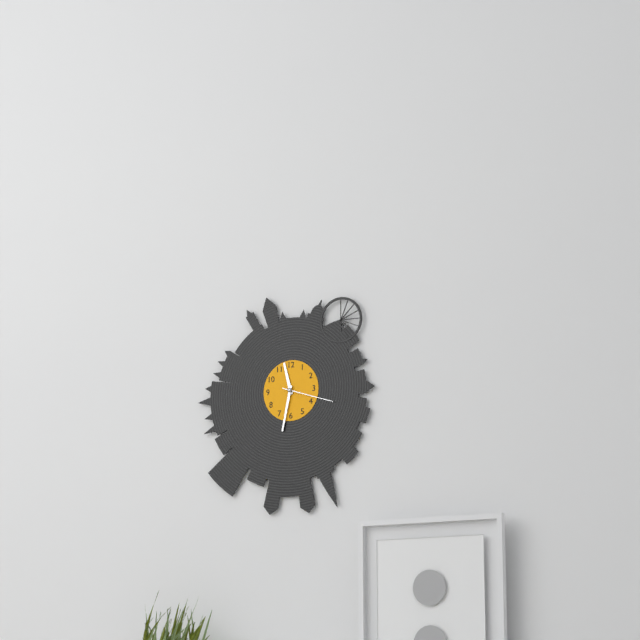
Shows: {"hour": 11, "minute": 32, "second": 18}
